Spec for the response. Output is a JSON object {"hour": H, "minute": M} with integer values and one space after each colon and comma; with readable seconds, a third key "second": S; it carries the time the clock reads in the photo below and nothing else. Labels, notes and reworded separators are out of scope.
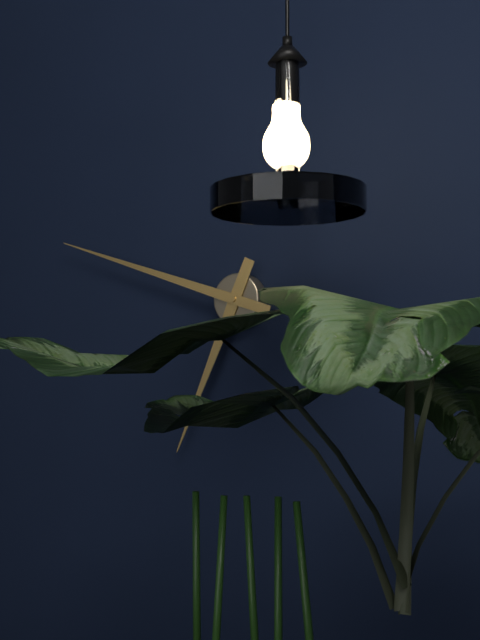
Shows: {"hour": 6, "minute": 48}
